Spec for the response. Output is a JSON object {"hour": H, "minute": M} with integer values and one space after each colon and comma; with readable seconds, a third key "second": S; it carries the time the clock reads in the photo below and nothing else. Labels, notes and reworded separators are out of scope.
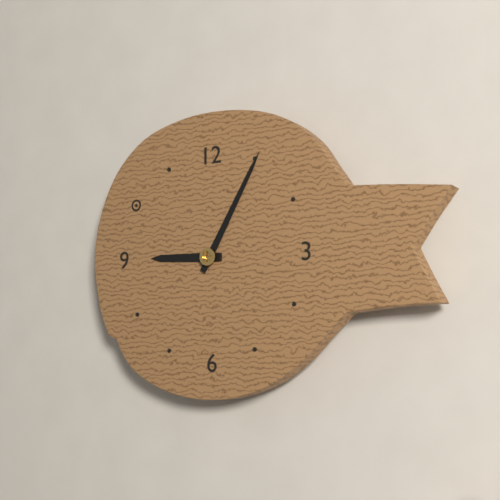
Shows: {"hour": 9, "minute": 5}
